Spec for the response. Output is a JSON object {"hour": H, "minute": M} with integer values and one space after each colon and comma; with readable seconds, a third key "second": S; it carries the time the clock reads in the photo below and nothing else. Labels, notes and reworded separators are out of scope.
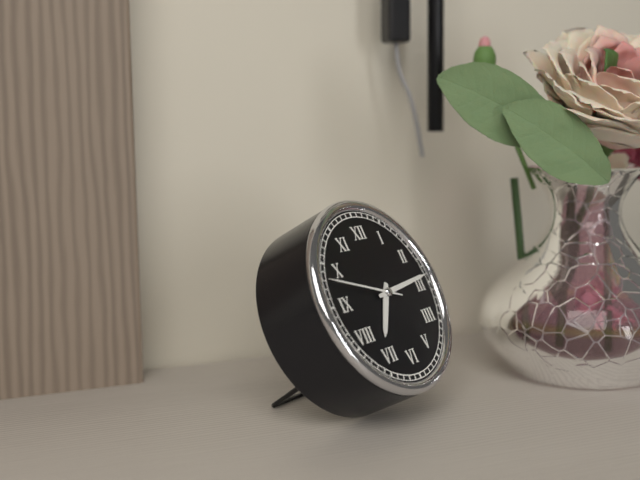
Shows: {"hour": 7, "minute": 14, "second": 48}
